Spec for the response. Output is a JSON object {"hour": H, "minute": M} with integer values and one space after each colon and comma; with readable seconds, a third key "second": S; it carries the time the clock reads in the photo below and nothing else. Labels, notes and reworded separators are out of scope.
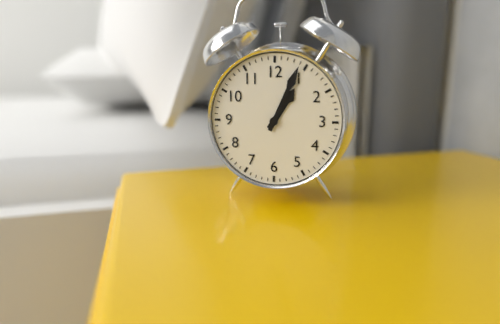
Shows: {"hour": 1, "minute": 4}
